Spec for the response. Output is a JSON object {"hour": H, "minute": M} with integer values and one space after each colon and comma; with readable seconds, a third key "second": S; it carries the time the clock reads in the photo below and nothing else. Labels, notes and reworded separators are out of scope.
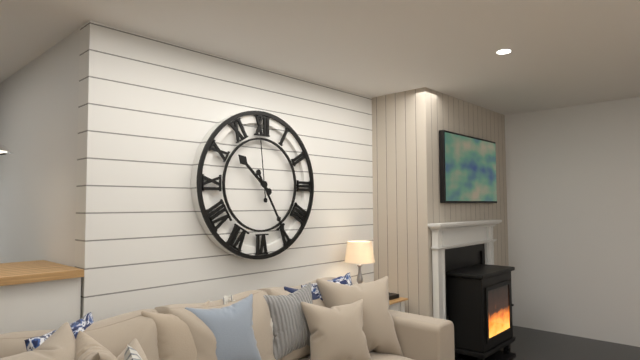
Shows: {"hour": 10, "minute": 25, "second": 59}
